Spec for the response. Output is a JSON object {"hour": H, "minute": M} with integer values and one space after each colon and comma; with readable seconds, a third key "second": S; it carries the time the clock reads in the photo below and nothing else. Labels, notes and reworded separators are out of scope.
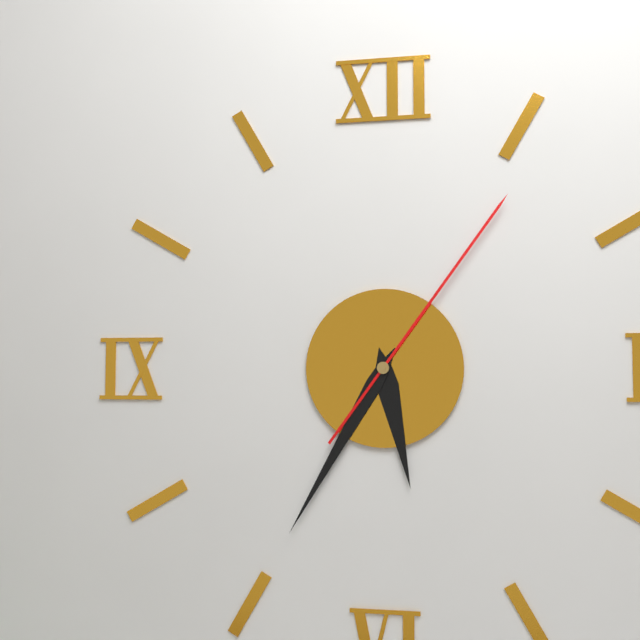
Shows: {"hour": 5, "minute": 35, "second": 6}
